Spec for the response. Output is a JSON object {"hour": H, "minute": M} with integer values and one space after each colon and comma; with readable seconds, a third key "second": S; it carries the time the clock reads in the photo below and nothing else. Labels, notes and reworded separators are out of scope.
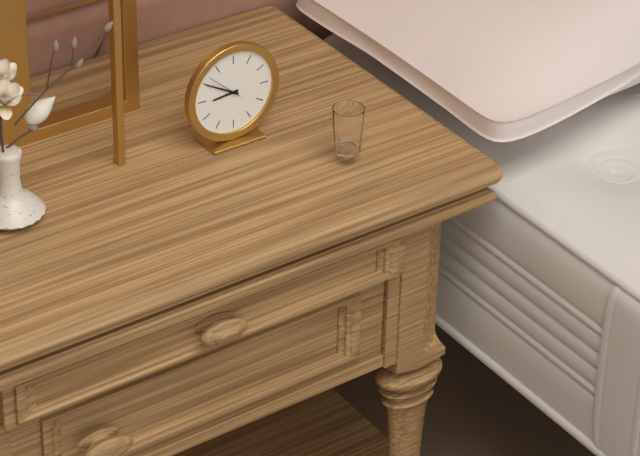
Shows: {"hour": 8, "minute": 50}
